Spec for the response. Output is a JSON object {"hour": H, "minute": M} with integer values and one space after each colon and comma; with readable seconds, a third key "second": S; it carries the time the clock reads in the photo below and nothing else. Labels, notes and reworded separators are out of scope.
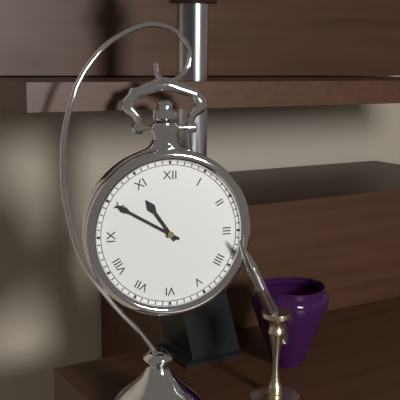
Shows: {"hour": 10, "minute": 50}
